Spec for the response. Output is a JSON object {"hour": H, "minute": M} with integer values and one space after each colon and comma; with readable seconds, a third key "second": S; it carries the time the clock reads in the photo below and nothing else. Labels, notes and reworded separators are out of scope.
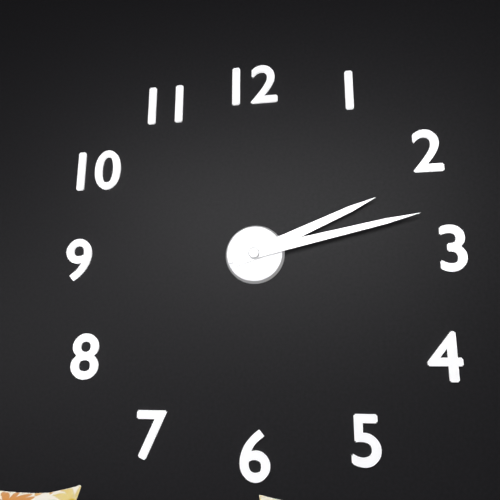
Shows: {"hour": 2, "minute": 13}
